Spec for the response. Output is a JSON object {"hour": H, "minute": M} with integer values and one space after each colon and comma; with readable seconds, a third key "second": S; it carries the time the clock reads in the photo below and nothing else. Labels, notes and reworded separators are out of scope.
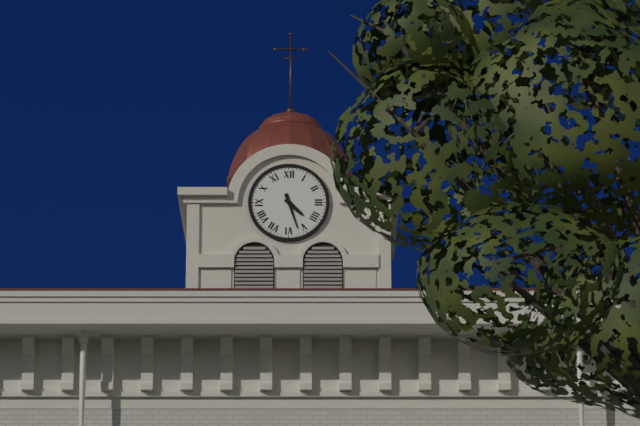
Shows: {"hour": 4, "minute": 27}
